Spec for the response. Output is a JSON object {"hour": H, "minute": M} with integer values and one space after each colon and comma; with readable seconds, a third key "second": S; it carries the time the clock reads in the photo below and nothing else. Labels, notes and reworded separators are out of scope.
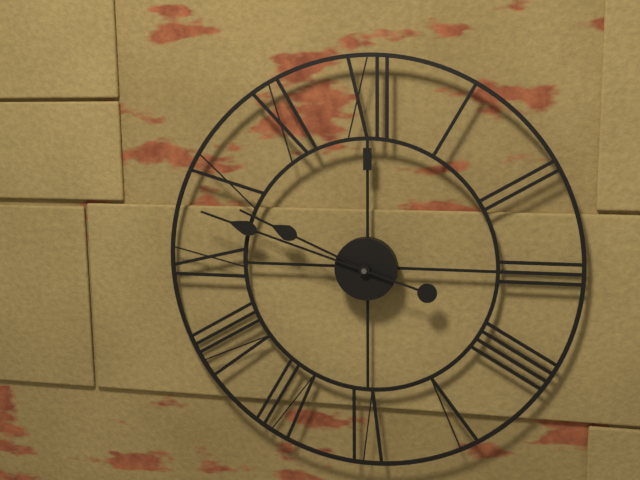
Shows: {"hour": 9, "minute": 48}
